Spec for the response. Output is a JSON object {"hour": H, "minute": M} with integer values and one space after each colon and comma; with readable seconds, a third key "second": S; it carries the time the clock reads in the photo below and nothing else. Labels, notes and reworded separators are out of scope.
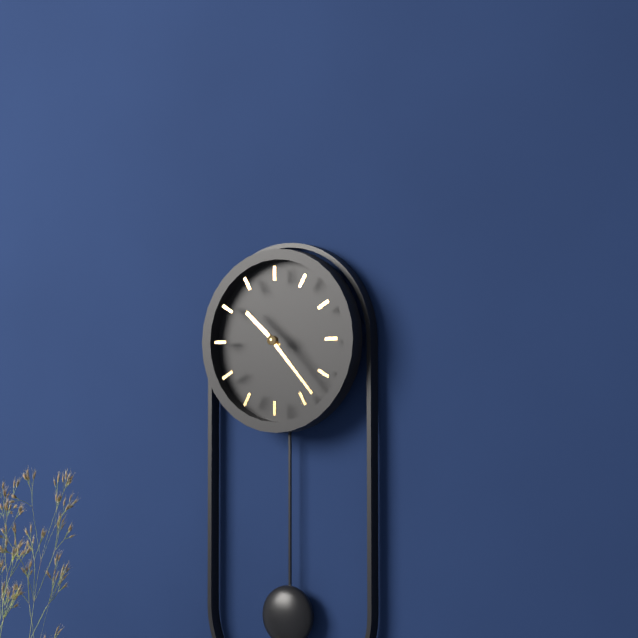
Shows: {"hour": 10, "minute": 23}
